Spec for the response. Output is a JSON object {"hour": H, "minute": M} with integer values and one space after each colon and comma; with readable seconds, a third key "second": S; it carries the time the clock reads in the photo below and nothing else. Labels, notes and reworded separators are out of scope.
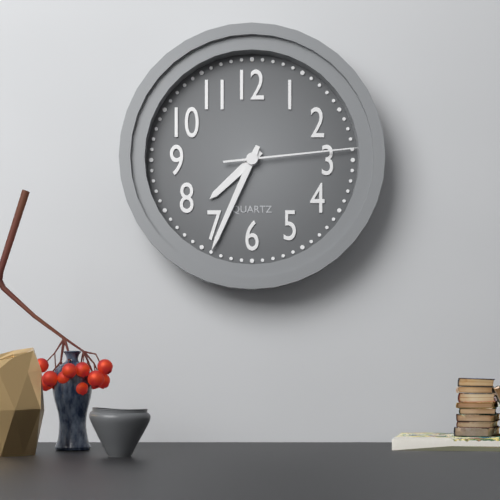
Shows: {"hour": 7, "minute": 34, "second": 14}
